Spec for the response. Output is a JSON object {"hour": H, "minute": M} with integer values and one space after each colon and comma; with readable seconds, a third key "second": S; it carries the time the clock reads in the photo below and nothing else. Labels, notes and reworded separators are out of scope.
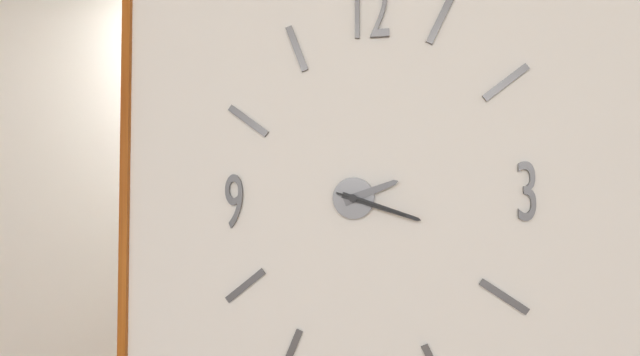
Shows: {"hour": 2, "minute": 18, "second": 18}
